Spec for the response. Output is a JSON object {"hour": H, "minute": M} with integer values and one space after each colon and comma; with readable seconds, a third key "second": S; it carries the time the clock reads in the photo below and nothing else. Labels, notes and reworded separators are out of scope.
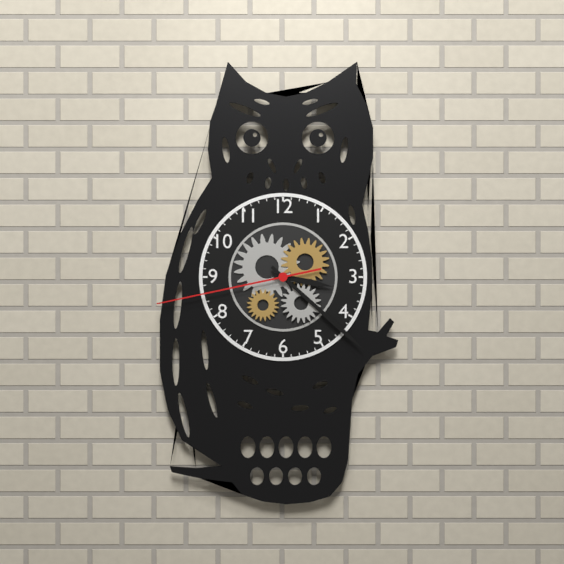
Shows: {"hour": 3, "minute": 22, "second": 43}
